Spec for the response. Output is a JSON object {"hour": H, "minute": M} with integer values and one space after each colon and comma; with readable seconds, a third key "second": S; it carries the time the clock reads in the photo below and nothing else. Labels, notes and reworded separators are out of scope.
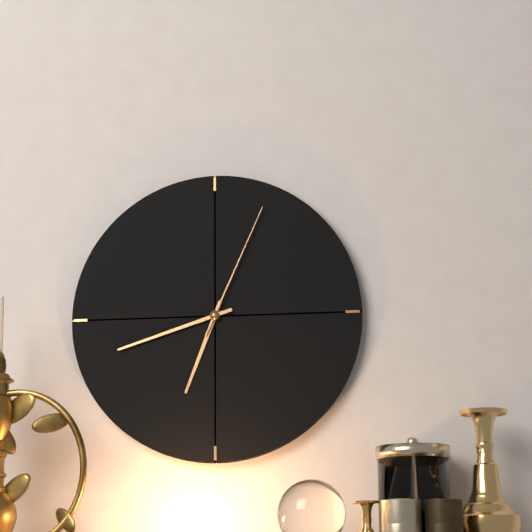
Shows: {"hour": 6, "minute": 42, "second": 4}
